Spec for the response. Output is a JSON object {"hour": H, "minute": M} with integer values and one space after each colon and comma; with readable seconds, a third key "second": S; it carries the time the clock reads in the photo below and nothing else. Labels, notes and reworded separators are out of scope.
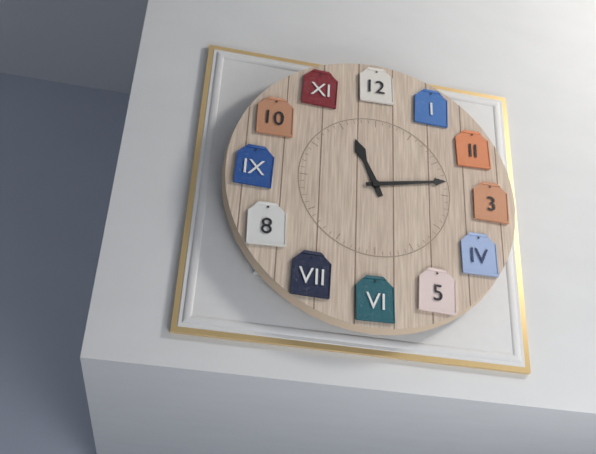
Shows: {"hour": 11, "minute": 13}
